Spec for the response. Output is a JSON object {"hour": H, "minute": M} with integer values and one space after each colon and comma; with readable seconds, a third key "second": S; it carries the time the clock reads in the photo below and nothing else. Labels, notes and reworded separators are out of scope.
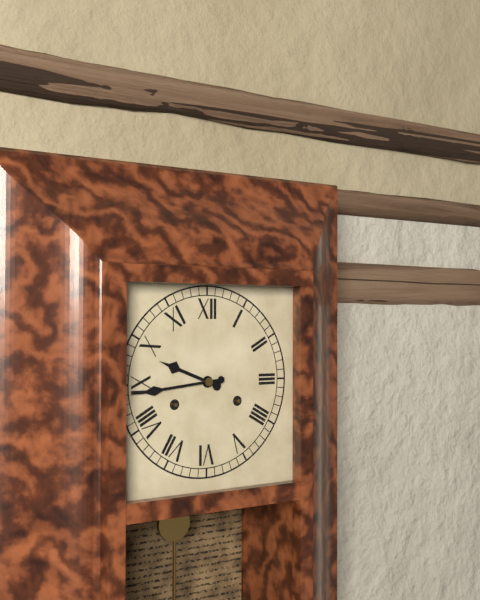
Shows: {"hour": 9, "minute": 44}
